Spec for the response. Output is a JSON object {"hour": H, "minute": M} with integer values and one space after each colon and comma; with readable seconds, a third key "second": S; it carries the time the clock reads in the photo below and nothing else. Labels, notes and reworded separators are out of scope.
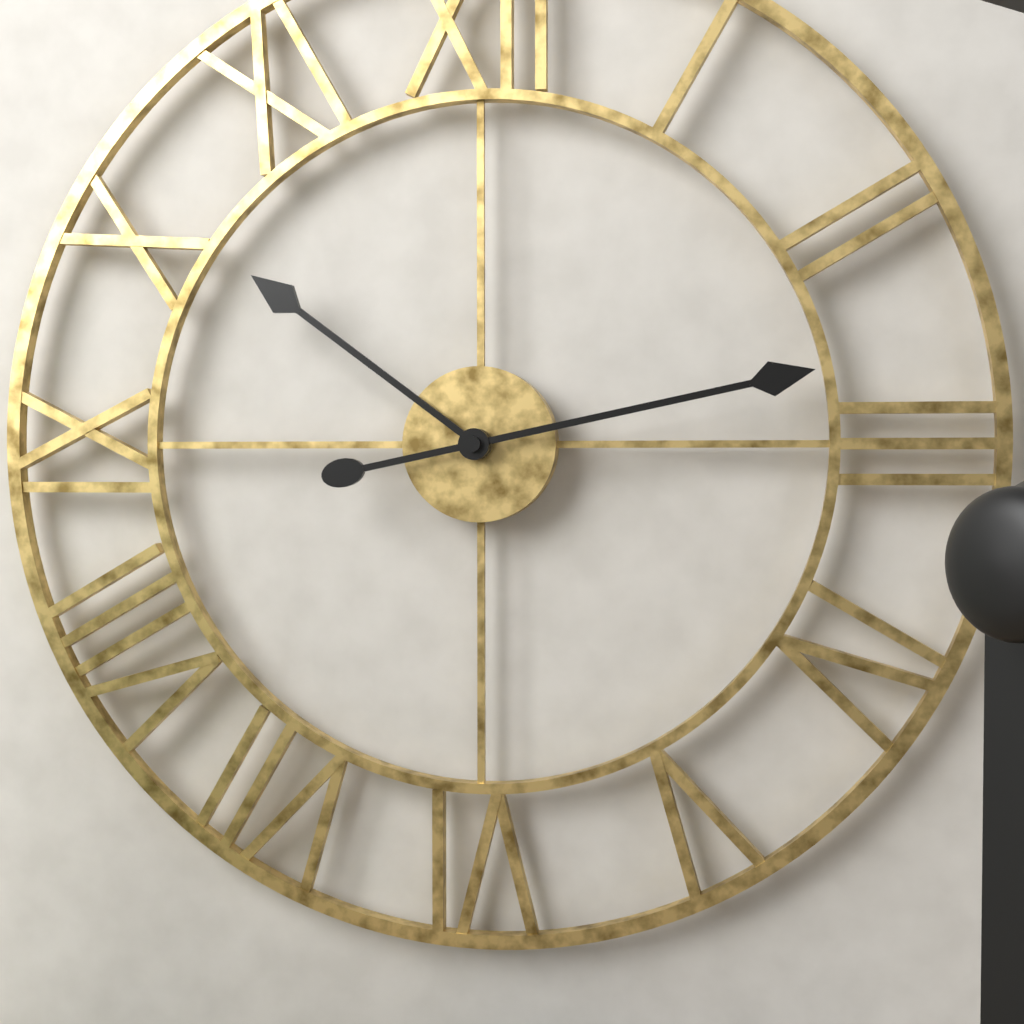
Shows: {"hour": 10, "minute": 13}
